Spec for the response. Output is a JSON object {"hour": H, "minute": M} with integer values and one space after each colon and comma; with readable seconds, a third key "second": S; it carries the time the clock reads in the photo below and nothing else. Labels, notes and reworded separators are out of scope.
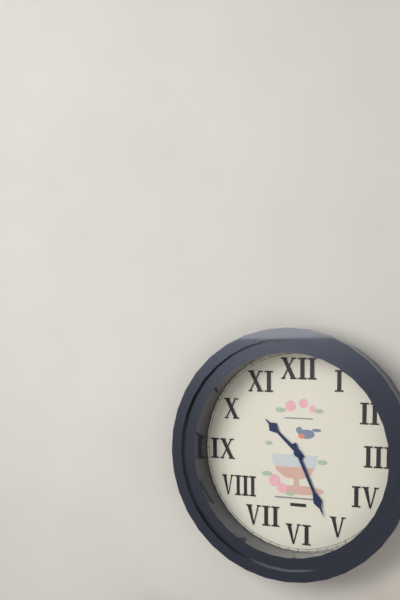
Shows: {"hour": 10, "minute": 26}
